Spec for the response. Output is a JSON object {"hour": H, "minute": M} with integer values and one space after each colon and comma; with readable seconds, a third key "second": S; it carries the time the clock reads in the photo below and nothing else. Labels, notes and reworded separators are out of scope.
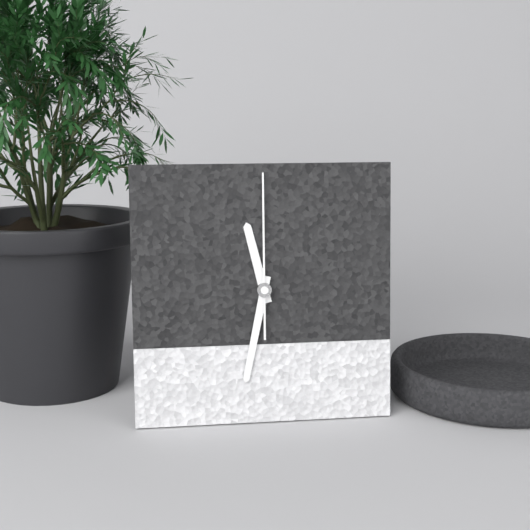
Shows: {"hour": 11, "minute": 32, "second": 0}
